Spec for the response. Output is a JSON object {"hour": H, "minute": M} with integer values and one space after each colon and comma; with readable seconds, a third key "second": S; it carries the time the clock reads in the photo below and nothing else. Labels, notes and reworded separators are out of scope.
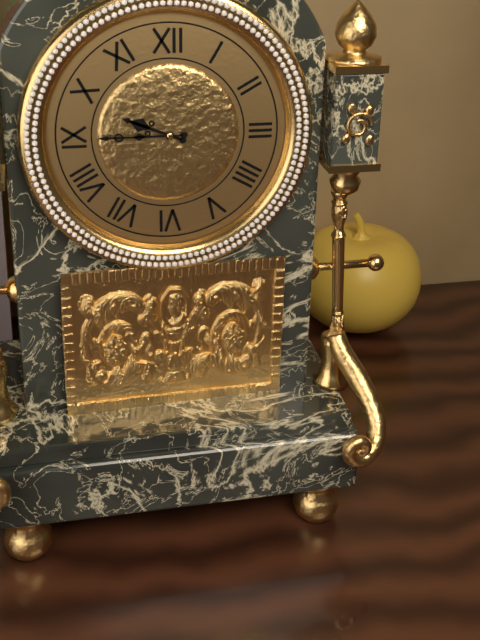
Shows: {"hour": 9, "minute": 45}
